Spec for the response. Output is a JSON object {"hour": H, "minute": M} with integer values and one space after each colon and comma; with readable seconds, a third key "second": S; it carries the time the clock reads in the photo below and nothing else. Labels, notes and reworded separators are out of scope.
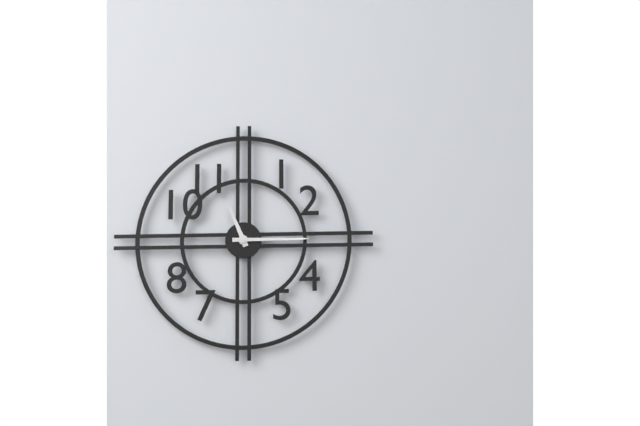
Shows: {"hour": 11, "minute": 15}
